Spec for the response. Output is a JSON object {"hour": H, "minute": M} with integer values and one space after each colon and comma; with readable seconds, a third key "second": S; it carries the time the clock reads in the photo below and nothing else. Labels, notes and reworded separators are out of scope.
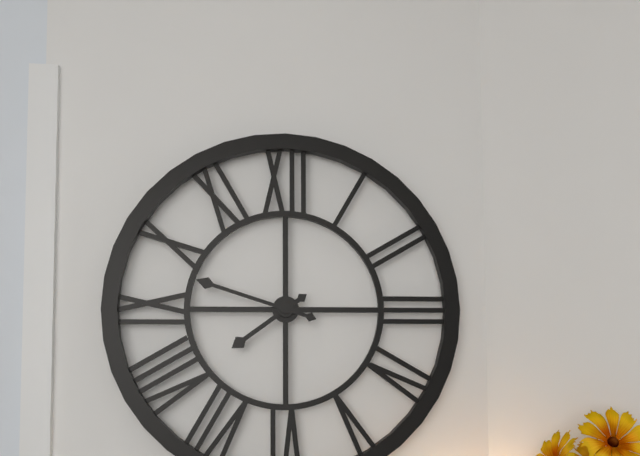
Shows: {"hour": 7, "minute": 48}
